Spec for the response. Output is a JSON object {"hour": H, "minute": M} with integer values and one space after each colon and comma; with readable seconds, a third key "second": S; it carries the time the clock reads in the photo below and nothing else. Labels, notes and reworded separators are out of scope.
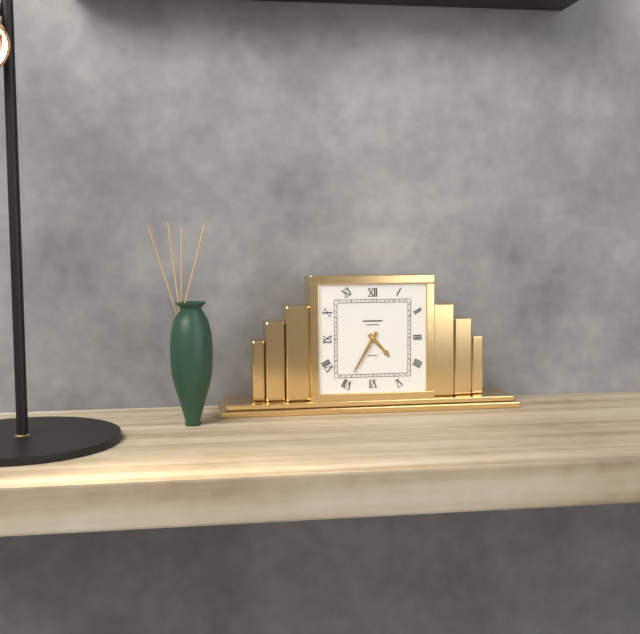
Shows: {"hour": 4, "minute": 35}
